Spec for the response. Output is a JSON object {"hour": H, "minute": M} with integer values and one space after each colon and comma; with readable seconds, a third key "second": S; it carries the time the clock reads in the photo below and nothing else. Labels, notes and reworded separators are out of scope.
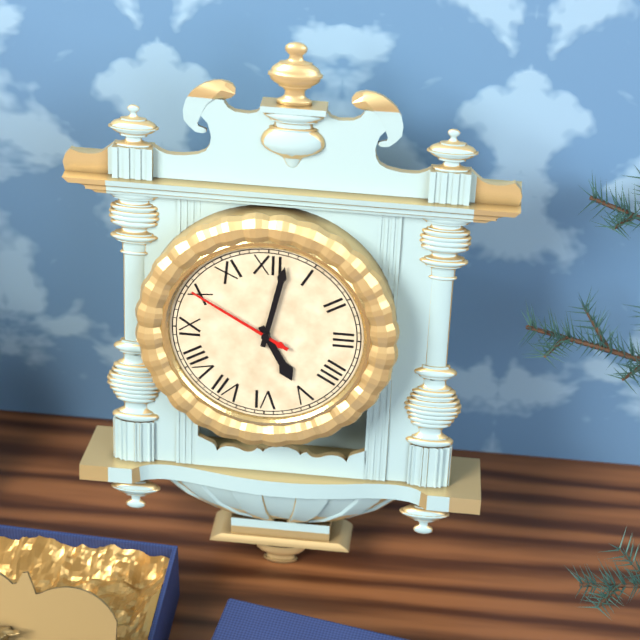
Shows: {"hour": 5, "minute": 2, "second": 50}
